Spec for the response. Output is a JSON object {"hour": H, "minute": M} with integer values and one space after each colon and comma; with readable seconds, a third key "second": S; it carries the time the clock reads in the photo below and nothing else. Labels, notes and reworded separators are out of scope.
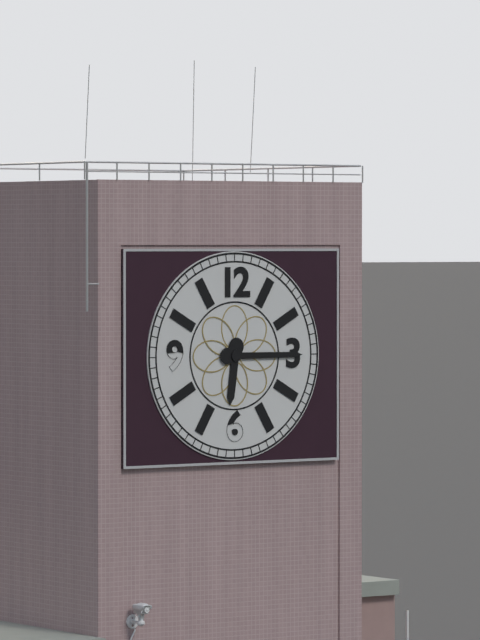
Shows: {"hour": 6, "minute": 15}
